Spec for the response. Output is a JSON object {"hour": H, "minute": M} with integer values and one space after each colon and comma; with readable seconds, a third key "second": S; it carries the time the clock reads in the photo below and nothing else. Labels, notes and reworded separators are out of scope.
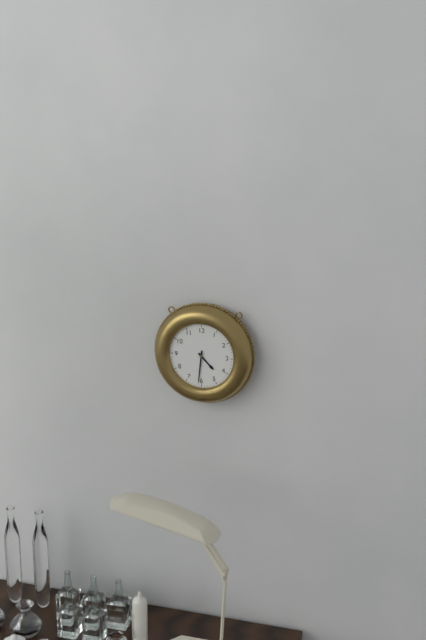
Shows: {"hour": 4, "minute": 31}
